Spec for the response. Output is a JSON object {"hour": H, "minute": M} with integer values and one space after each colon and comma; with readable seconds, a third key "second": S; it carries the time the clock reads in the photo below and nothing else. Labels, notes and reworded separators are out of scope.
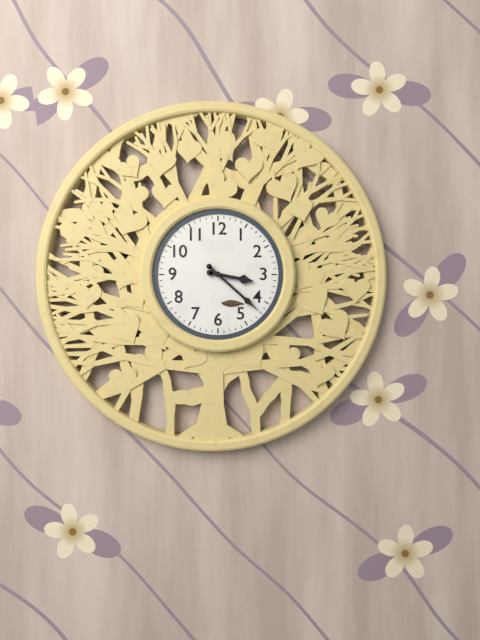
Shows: {"hour": 3, "minute": 22}
